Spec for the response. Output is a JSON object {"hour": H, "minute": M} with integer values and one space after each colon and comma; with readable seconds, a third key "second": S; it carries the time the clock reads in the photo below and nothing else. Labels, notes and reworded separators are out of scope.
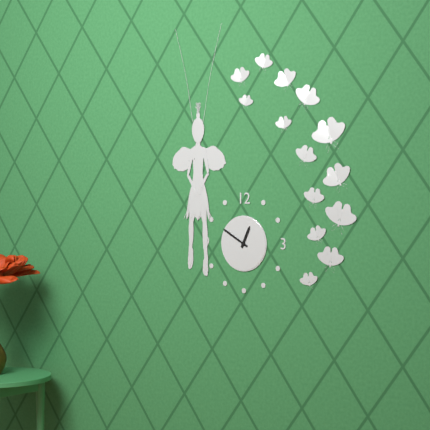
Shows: {"hour": 12, "minute": 50}
